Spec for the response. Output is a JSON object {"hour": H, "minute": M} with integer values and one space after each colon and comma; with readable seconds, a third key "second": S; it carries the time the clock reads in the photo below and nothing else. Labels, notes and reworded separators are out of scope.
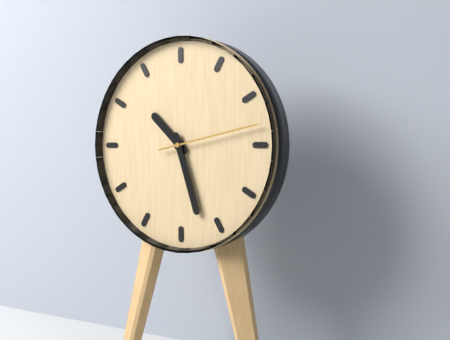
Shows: {"hour": 10, "minute": 27, "second": 13}
